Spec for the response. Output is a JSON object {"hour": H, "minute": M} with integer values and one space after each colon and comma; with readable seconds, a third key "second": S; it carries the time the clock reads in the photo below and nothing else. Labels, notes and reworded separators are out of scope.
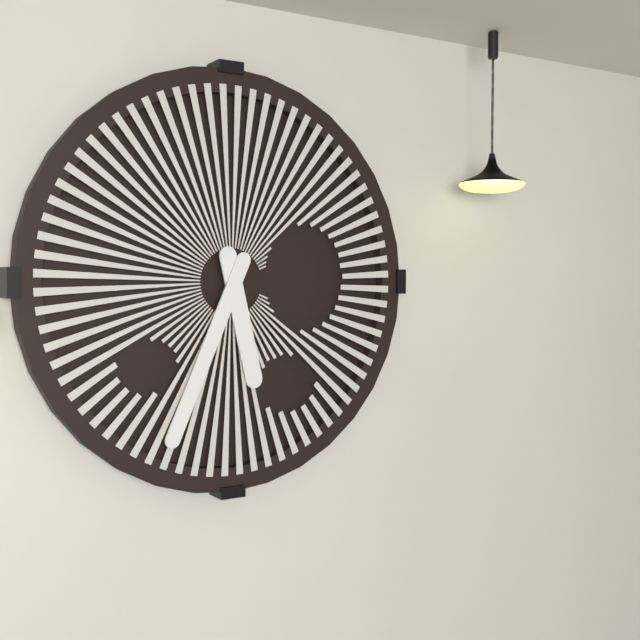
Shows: {"hour": 5, "minute": 34}
